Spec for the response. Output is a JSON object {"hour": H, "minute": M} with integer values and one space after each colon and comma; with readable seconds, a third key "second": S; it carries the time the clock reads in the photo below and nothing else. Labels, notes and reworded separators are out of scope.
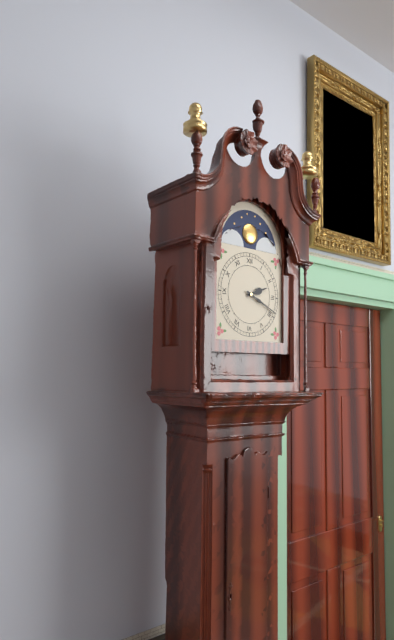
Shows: {"hour": 2, "minute": 19}
